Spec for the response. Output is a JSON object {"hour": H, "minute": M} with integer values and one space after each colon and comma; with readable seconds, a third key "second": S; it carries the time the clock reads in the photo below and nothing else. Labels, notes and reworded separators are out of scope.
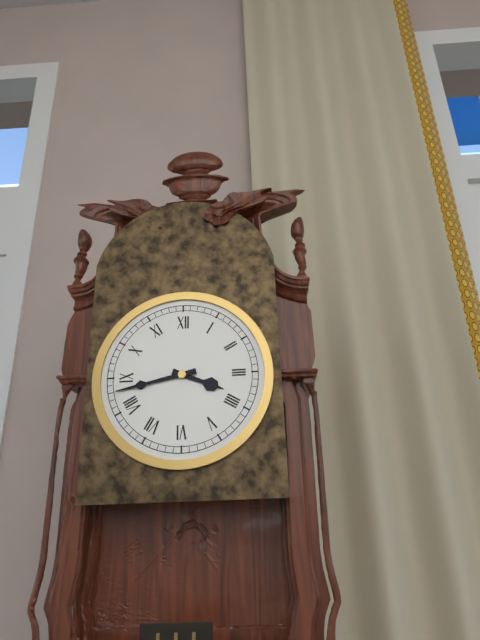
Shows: {"hour": 3, "minute": 43}
